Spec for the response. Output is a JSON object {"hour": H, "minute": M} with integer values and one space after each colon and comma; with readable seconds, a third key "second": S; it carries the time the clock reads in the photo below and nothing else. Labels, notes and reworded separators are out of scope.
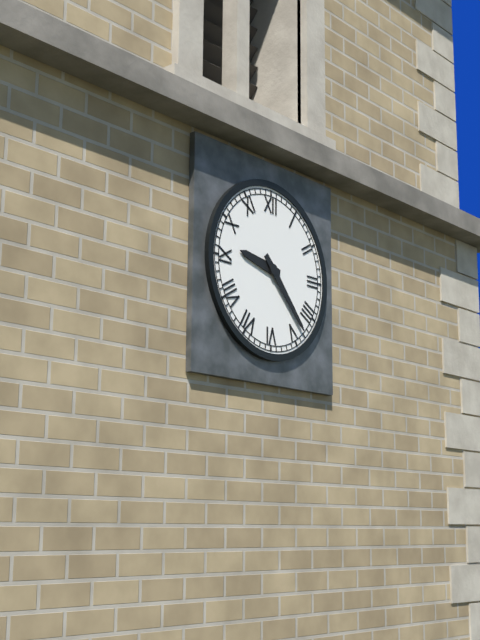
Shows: {"hour": 9, "minute": 23}
